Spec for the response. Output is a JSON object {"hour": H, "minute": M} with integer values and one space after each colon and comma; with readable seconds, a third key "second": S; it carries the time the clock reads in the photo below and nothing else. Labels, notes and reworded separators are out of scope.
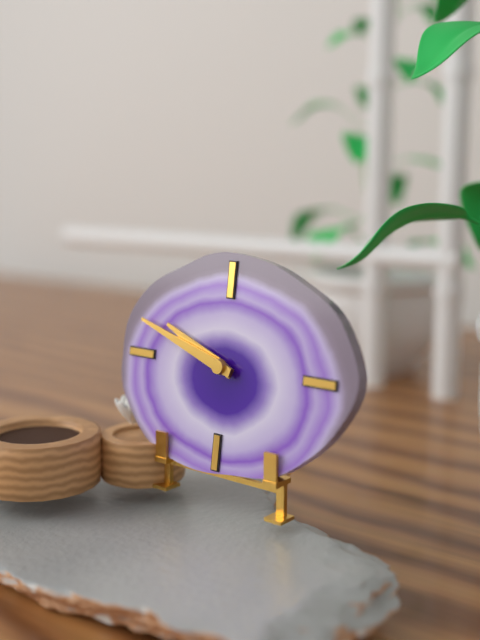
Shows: {"hour": 9, "minute": 48}
